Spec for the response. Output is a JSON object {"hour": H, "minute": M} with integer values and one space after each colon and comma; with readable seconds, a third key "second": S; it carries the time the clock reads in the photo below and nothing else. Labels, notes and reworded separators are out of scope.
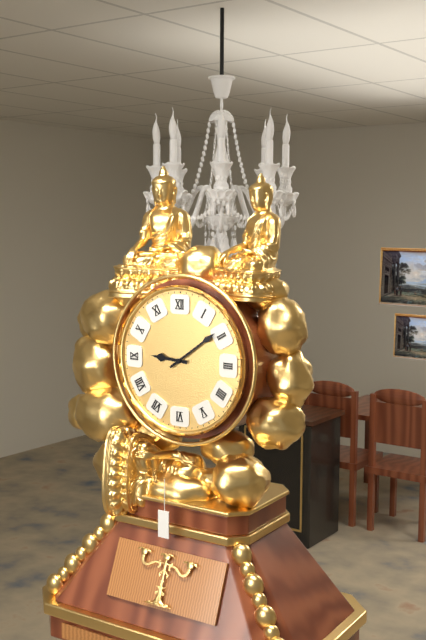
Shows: {"hour": 9, "minute": 9}
